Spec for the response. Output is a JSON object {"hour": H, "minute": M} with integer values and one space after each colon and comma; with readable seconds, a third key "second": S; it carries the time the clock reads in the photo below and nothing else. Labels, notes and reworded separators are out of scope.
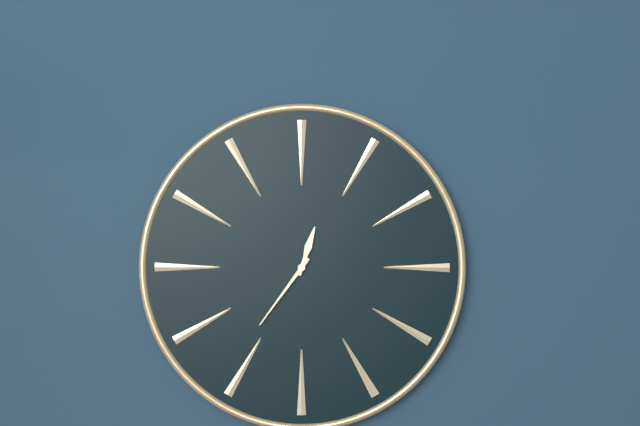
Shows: {"hour": 12, "minute": 36}
